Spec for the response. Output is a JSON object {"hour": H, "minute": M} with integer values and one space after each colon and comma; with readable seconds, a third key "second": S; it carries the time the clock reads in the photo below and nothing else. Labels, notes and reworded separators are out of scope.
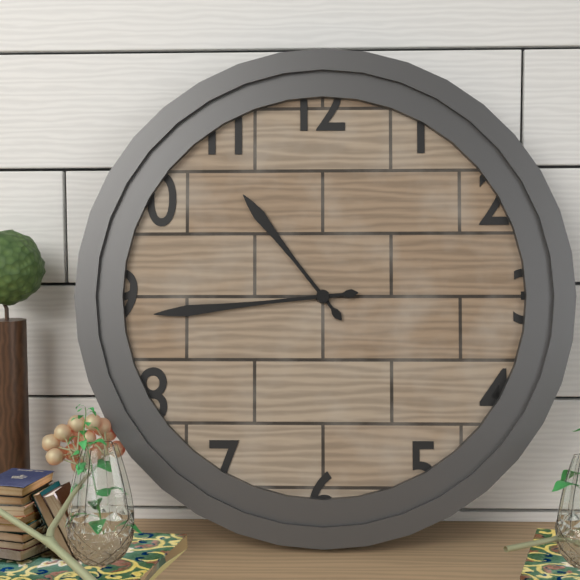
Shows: {"hour": 10, "minute": 44}
